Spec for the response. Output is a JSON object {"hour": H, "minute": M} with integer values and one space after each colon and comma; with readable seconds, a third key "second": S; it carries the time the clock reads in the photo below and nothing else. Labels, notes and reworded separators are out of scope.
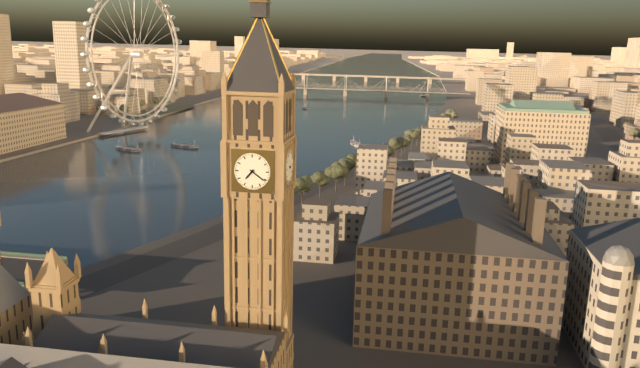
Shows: {"hour": 7, "minute": 21}
